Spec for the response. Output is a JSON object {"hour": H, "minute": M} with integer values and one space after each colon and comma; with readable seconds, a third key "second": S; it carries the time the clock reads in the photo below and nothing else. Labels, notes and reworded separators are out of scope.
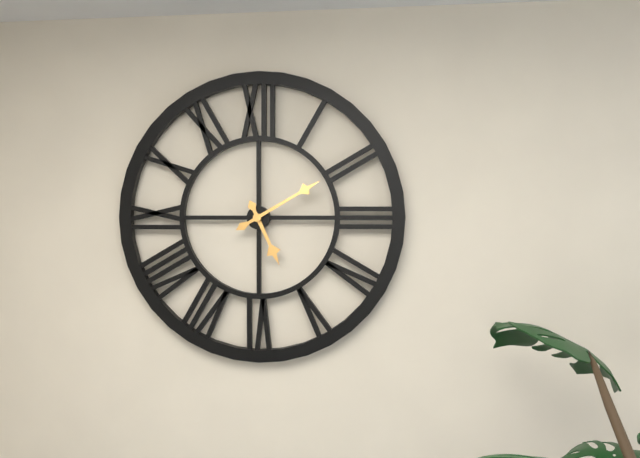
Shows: {"hour": 5, "minute": 10}
